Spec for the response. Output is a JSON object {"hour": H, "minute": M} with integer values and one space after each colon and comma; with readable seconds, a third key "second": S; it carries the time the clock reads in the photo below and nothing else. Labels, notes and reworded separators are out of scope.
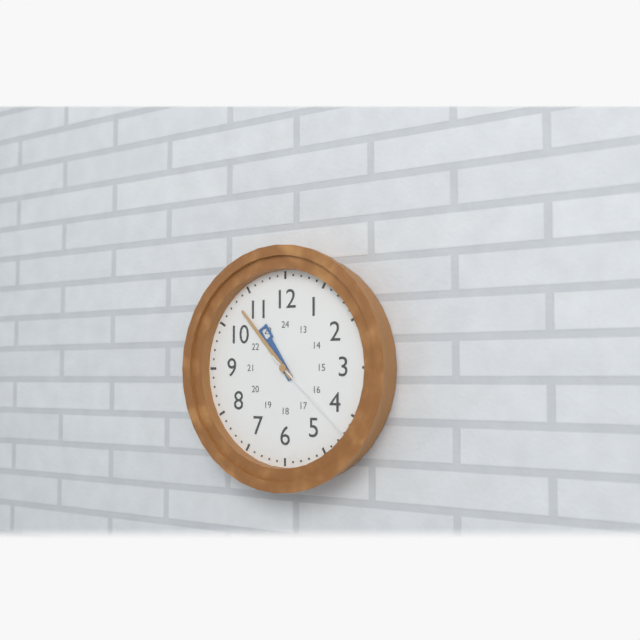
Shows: {"hour": 10, "minute": 53, "second": 22}
